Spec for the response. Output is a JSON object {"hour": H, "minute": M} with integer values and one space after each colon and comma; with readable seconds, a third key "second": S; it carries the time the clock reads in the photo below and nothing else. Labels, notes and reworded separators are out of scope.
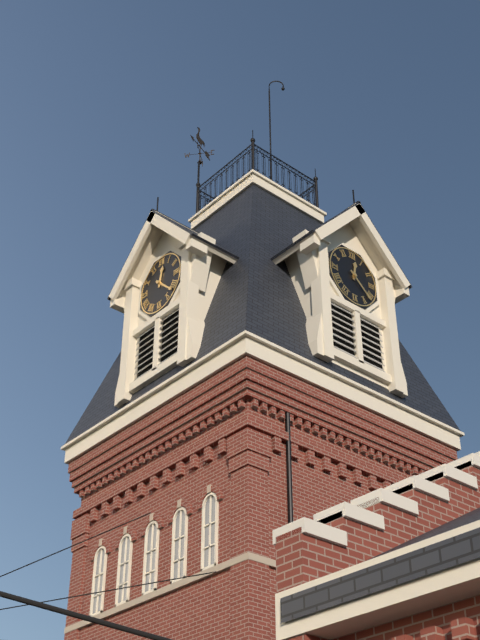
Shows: {"hour": 12, "minute": 22}
